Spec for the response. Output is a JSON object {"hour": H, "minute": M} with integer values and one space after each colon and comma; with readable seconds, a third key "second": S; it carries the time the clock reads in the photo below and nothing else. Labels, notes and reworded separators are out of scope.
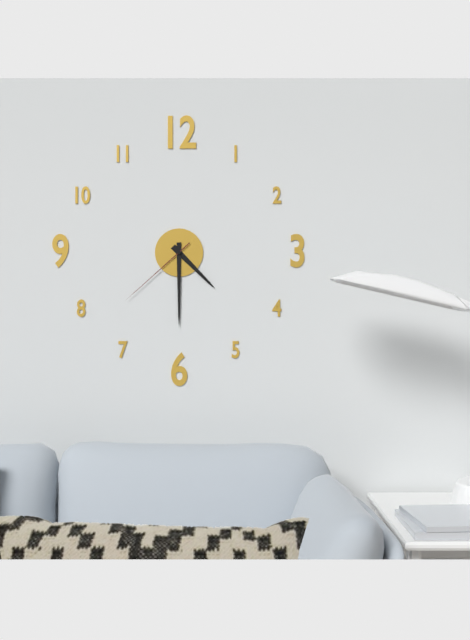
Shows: {"hour": 4, "minute": 30, "second": 38}
